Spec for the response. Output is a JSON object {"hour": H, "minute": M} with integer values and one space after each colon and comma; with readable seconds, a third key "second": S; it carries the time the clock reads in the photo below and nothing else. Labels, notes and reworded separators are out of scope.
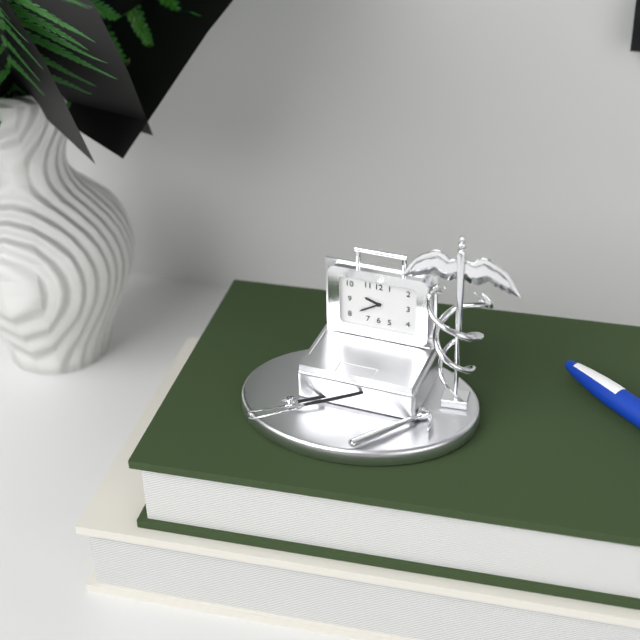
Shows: {"hour": 9, "minute": 40}
